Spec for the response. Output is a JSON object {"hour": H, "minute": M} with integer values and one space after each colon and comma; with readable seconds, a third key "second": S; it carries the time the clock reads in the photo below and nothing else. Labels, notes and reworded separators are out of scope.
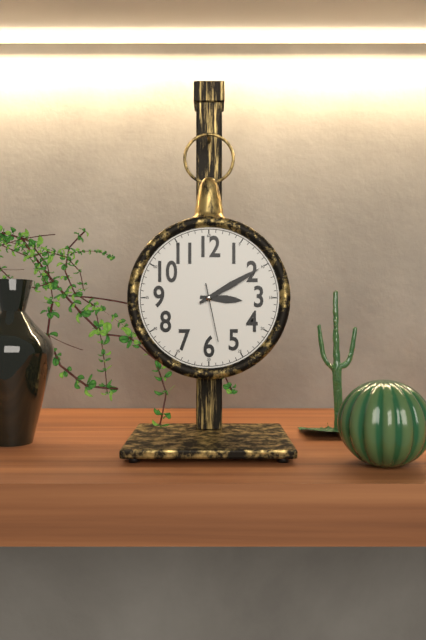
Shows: {"hour": 3, "minute": 10, "second": 28}
